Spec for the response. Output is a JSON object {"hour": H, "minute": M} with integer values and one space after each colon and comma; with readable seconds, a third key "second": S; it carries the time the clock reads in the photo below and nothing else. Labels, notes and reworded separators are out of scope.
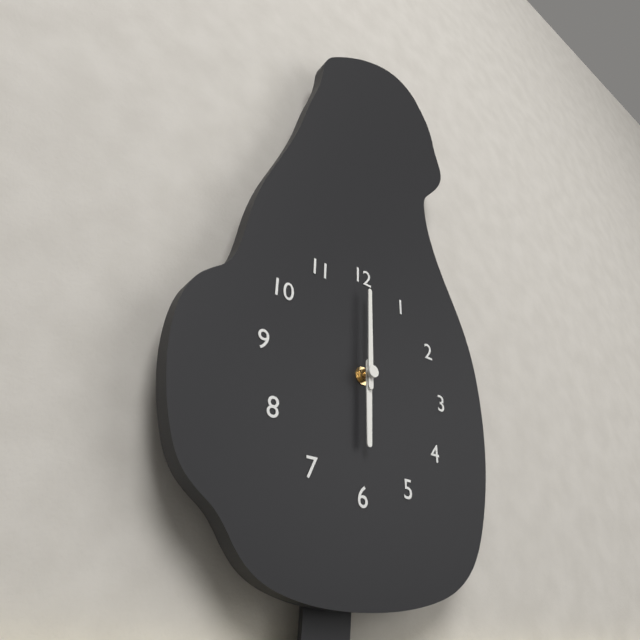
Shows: {"hour": 6, "minute": 0}
